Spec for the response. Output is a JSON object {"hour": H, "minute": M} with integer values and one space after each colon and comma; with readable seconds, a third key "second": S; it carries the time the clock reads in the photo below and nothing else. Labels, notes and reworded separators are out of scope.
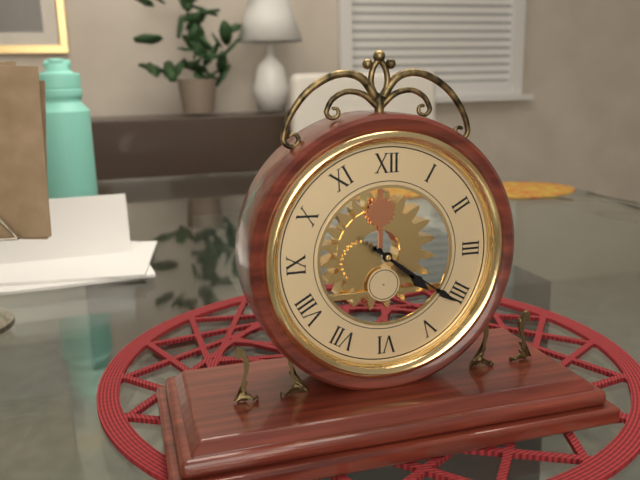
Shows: {"hour": 4, "minute": 21}
